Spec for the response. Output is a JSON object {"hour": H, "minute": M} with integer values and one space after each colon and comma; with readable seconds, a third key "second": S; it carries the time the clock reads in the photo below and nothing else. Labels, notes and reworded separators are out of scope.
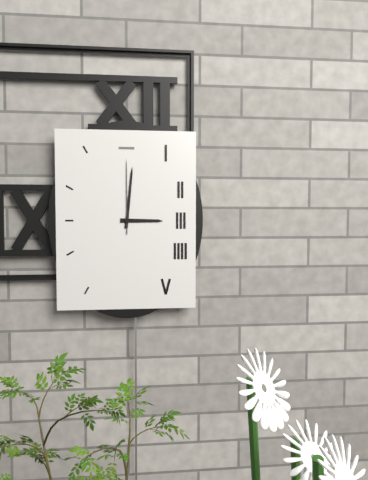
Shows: {"hour": 3, "minute": 1, "second": 0}
